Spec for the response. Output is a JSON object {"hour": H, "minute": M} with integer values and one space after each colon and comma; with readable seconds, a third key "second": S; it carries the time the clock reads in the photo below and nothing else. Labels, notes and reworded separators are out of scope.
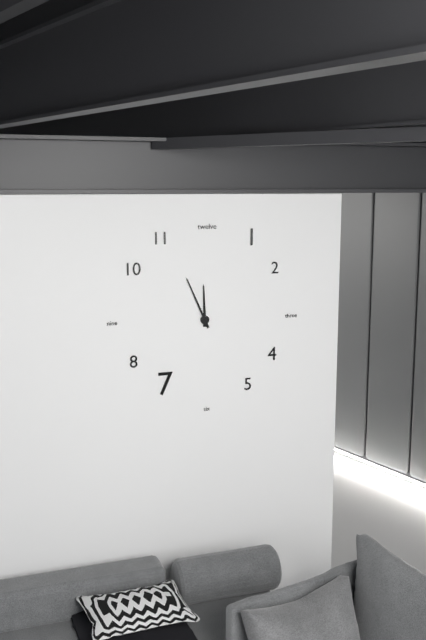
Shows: {"hour": 11, "minute": 56}
